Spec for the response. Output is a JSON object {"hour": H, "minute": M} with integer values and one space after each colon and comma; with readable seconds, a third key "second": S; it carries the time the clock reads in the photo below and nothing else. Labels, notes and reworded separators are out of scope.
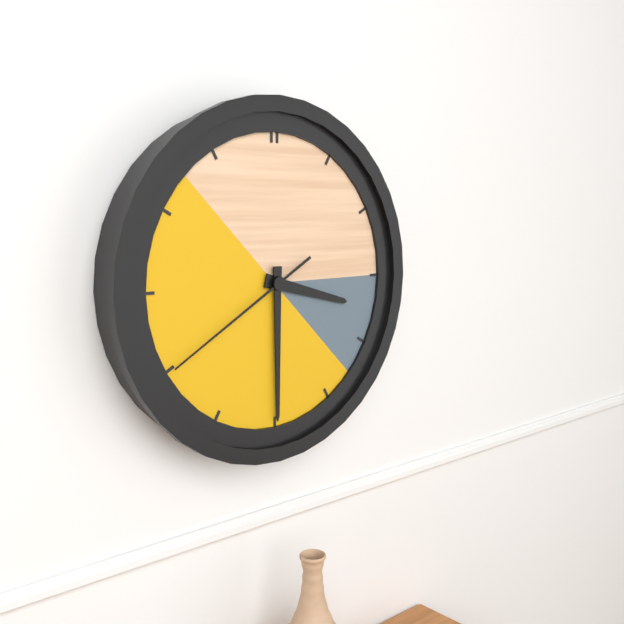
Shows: {"hour": 3, "minute": 30, "second": 40}
